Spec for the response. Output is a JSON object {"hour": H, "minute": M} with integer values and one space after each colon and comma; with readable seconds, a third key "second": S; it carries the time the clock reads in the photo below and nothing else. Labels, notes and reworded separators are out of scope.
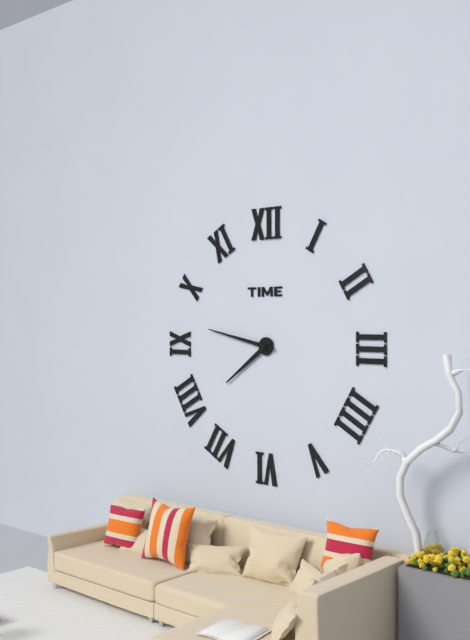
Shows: {"hour": 7, "minute": 47}
